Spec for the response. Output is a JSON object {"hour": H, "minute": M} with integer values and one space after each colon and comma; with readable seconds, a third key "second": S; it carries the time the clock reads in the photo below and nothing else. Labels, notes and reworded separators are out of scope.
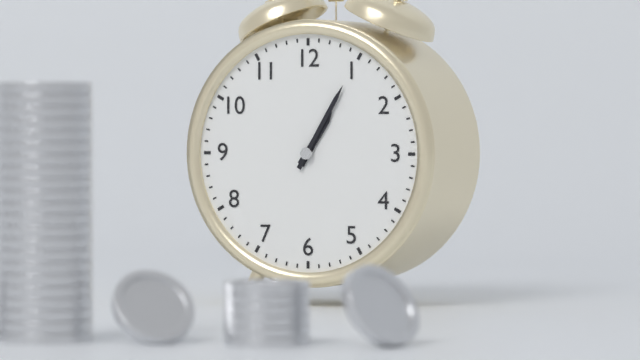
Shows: {"hour": 1, "minute": 5}
